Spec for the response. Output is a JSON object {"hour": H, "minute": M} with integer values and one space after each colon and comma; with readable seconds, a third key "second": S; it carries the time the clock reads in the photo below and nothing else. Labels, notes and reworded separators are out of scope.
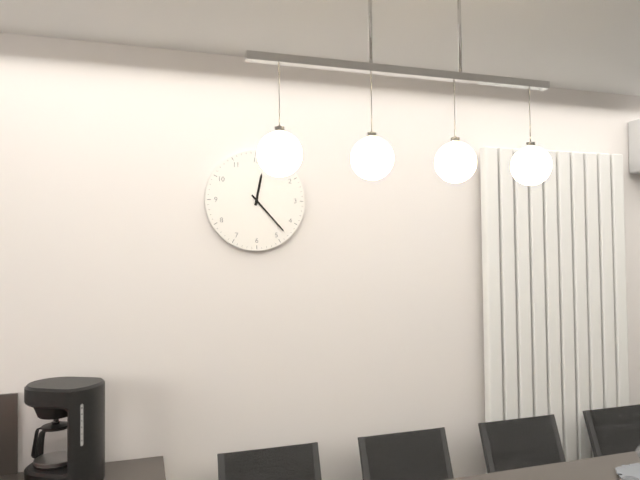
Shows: {"hour": 12, "minute": 23}
